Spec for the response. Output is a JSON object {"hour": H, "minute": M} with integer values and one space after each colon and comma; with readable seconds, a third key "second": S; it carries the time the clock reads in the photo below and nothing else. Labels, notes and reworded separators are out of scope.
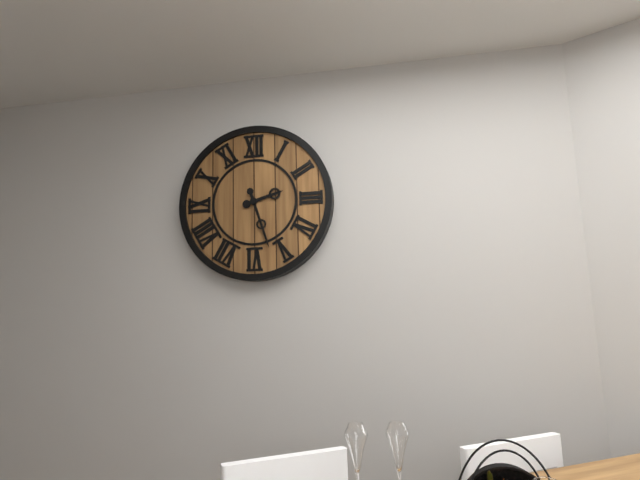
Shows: {"hour": 2, "minute": 27}
